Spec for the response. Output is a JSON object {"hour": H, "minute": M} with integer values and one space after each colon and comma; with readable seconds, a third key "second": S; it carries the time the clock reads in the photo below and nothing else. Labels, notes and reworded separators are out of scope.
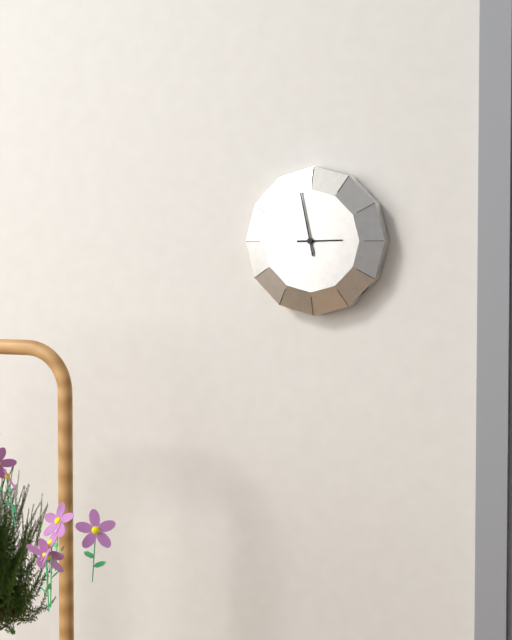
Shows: {"hour": 2, "minute": 58}
